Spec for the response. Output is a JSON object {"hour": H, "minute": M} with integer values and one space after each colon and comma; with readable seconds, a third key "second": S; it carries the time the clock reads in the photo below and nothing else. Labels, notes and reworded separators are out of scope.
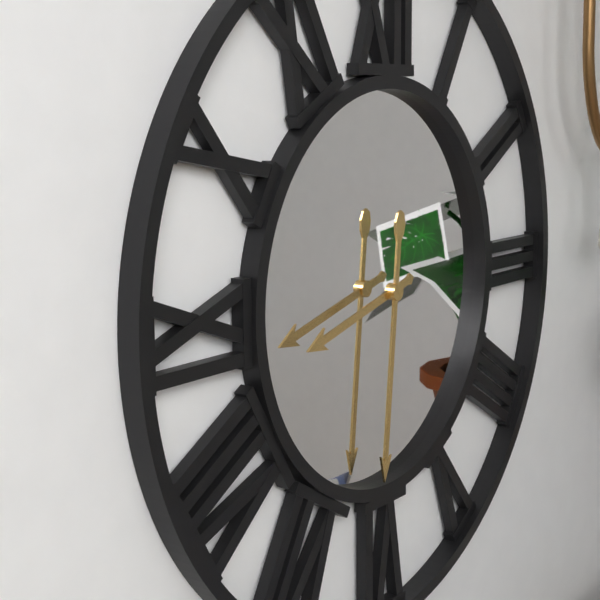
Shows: {"hour": 8, "minute": 31}
